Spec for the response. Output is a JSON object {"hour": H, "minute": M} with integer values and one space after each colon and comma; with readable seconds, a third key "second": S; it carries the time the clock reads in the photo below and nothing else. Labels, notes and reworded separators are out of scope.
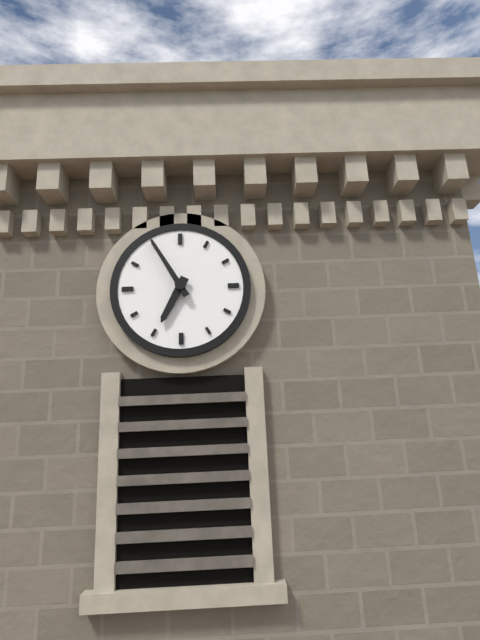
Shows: {"hour": 6, "minute": 55}
